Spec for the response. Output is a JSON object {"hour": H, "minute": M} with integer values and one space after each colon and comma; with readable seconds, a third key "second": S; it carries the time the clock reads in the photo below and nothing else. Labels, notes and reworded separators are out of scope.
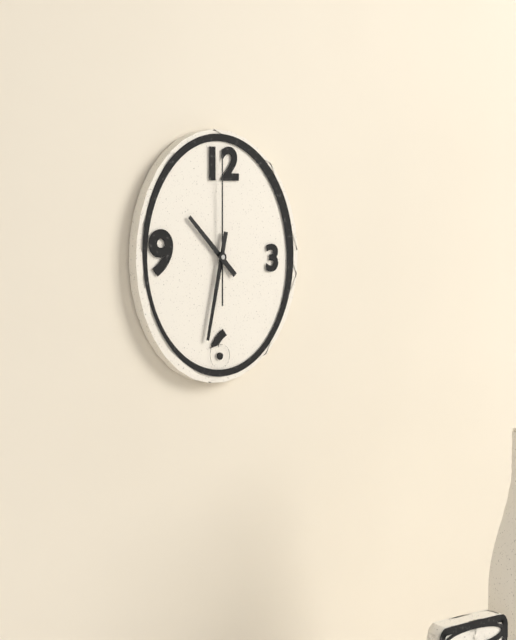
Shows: {"hour": 10, "minute": 32, "second": 0}
